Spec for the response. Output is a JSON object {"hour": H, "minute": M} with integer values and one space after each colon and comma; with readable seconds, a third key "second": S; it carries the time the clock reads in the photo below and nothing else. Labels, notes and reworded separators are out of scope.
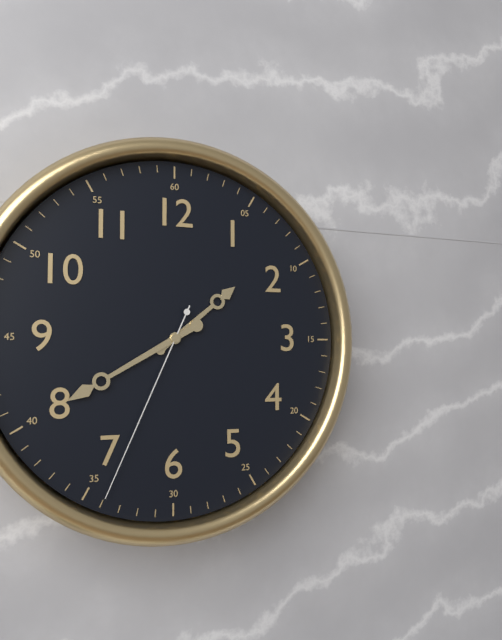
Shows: {"hour": 1, "minute": 40, "second": 34}
